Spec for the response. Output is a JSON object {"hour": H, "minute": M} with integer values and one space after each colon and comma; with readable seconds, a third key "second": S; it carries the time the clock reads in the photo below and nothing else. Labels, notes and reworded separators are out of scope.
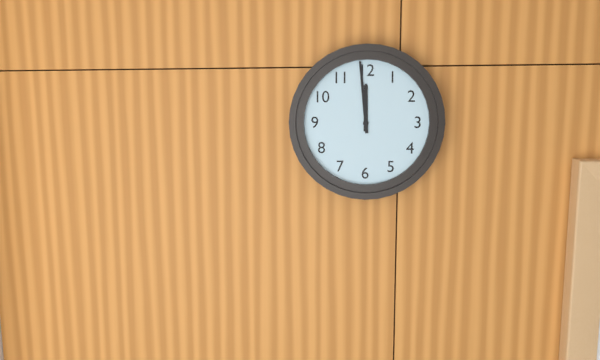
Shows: {"hour": 11, "minute": 59}
